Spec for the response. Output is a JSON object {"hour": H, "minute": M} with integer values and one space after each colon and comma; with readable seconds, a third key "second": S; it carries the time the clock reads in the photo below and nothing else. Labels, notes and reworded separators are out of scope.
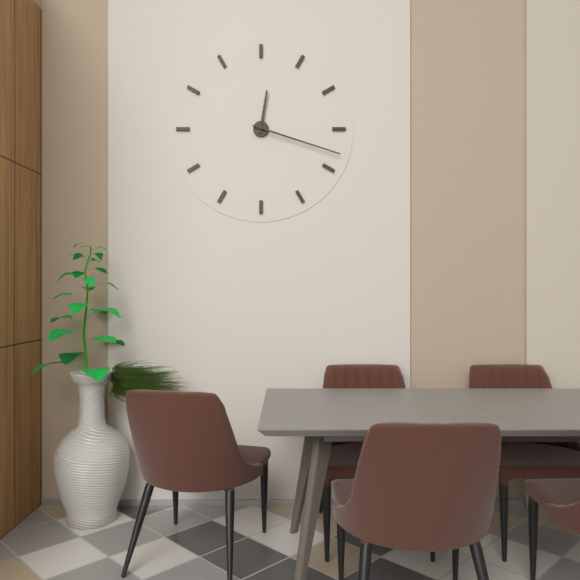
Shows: {"hour": 12, "minute": 18}
